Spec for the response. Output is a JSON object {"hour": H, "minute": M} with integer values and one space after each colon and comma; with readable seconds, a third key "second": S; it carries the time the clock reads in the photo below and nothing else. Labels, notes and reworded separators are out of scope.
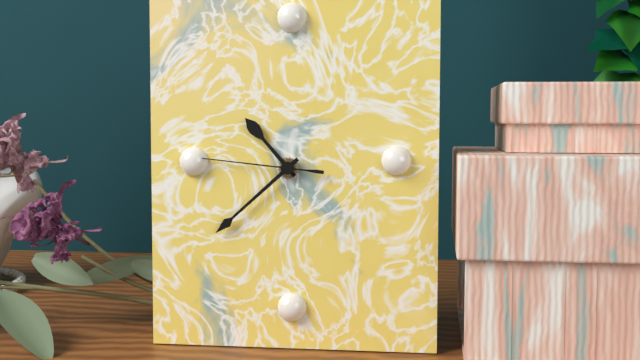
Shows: {"hour": 10, "minute": 38, "second": 46}
